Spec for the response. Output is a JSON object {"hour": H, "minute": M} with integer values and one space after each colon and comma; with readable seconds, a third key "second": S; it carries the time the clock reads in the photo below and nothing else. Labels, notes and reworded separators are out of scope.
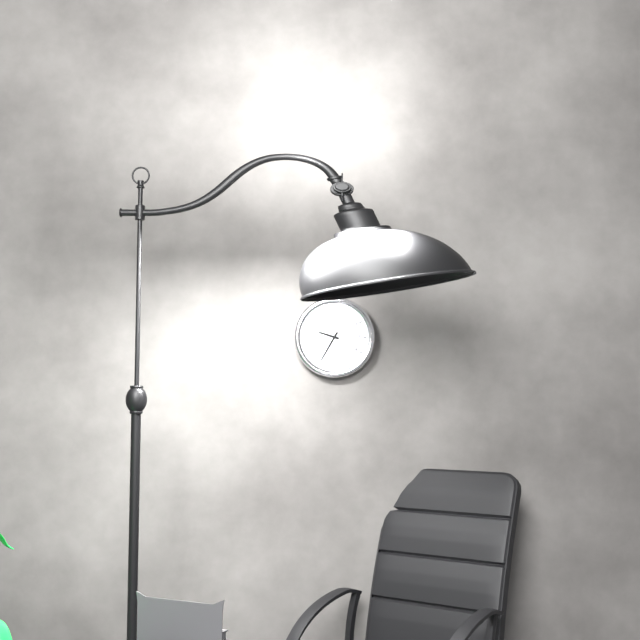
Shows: {"hour": 9, "minute": 35}
